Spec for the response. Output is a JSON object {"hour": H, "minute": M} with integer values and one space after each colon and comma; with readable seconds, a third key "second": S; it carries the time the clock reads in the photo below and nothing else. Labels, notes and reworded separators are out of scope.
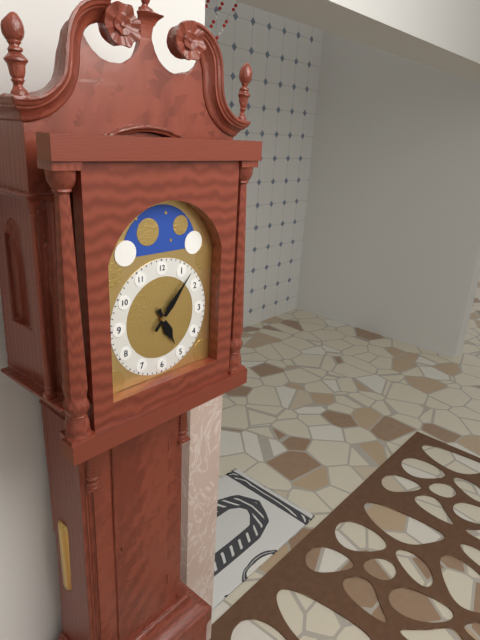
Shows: {"hour": 5, "minute": 7}
